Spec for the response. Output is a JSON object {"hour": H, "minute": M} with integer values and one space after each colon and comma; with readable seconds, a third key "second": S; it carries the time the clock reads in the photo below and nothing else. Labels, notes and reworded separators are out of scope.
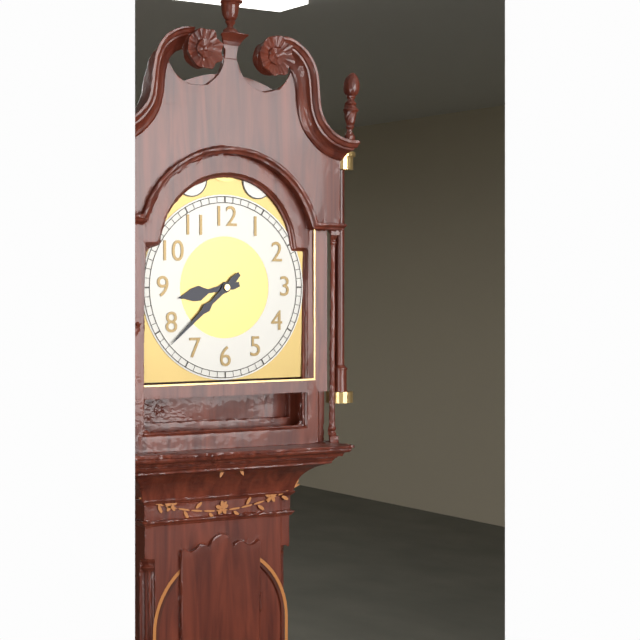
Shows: {"hour": 8, "minute": 38}
